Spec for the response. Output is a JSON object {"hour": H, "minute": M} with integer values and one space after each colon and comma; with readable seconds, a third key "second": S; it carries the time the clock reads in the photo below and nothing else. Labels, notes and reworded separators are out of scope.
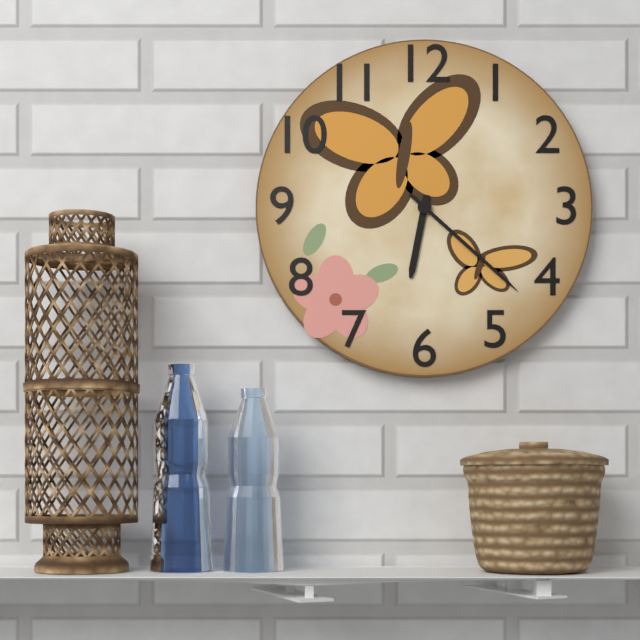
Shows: {"hour": 6, "minute": 22}
